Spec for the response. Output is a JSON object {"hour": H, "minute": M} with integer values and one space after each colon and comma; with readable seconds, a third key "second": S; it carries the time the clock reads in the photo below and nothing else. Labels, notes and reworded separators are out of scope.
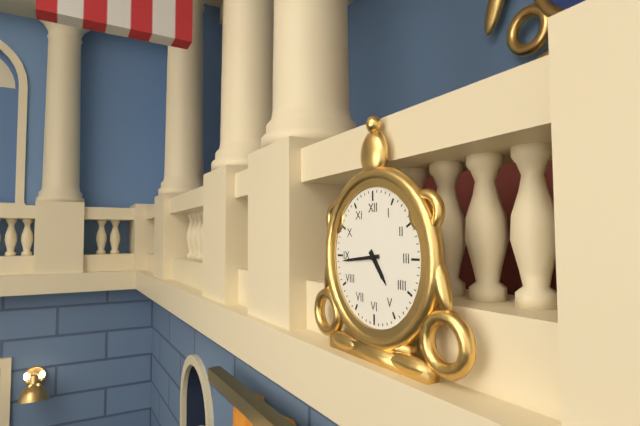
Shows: {"hour": 4, "minute": 44}
